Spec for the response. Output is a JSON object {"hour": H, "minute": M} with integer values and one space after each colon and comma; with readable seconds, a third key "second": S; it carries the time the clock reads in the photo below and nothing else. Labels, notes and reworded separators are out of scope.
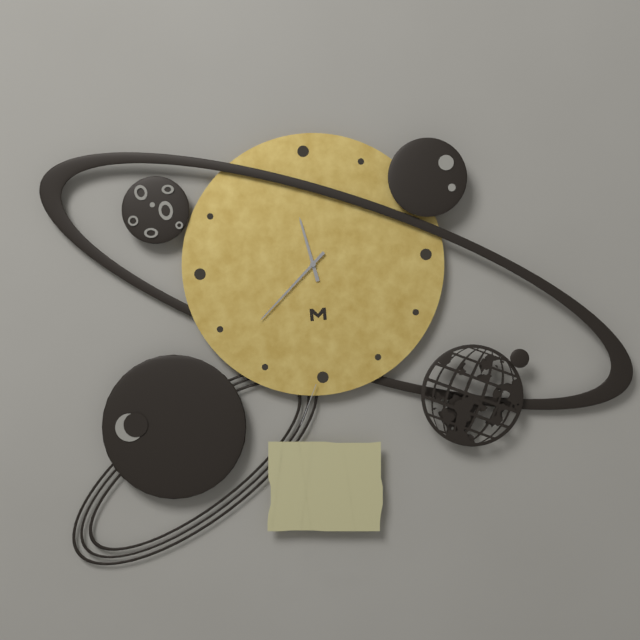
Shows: {"hour": 11, "minute": 38}
